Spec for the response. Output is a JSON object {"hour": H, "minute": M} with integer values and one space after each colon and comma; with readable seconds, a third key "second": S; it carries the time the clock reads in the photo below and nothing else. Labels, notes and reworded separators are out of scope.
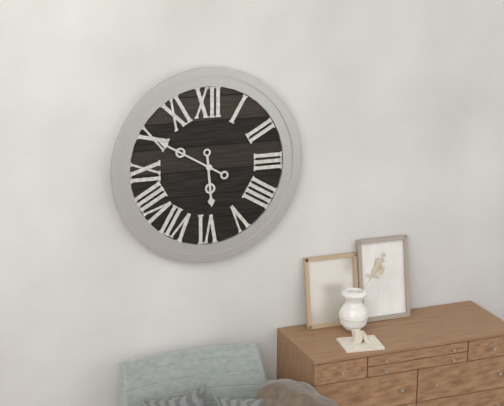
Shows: {"hour": 5, "minute": 50}
